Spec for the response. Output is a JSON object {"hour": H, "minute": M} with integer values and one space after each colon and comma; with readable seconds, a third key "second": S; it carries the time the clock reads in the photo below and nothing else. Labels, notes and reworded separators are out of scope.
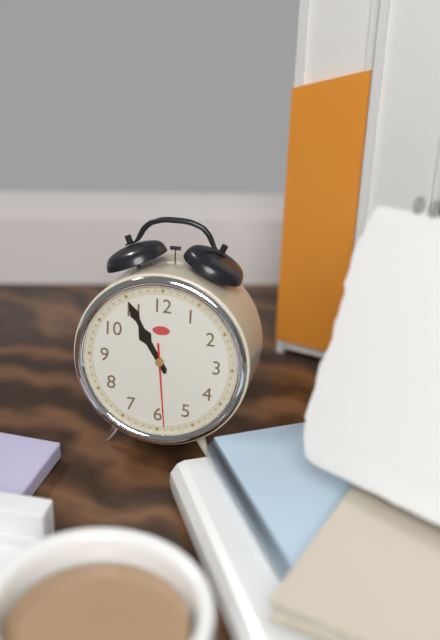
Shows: {"hour": 10, "minute": 55, "second": 29}
